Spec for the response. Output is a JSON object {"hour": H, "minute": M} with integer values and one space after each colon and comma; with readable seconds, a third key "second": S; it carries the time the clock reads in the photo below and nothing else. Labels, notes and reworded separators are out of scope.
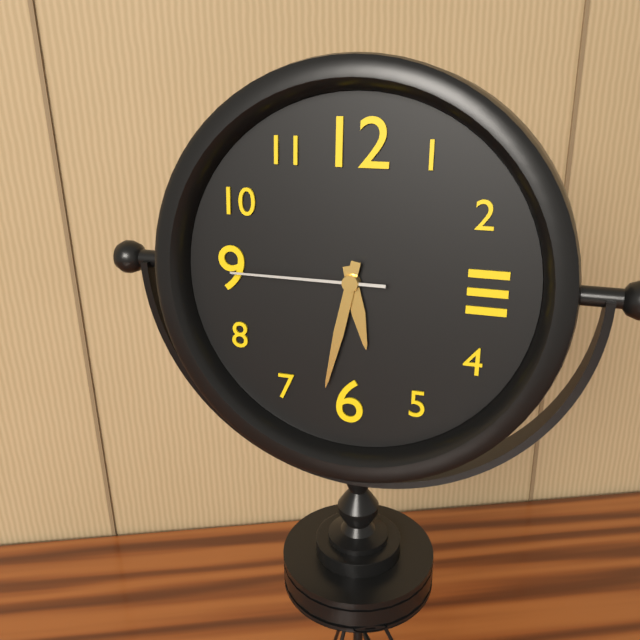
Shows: {"hour": 5, "minute": 32, "second": 45}
